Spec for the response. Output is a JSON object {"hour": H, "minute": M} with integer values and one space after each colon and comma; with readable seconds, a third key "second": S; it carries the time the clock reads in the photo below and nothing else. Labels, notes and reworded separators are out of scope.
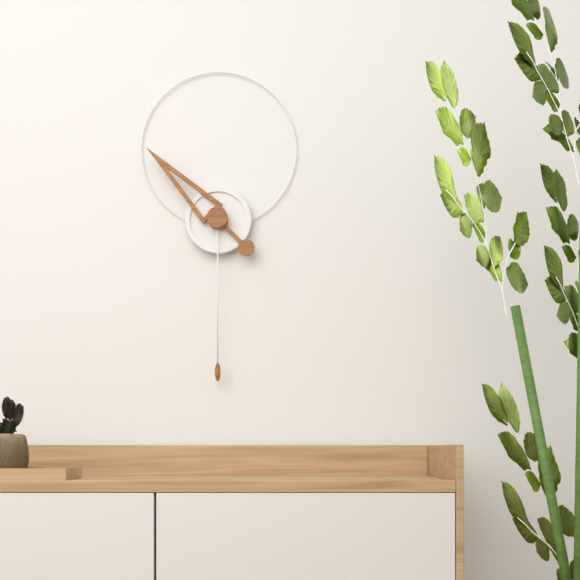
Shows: {"hour": 10, "minute": 30}
